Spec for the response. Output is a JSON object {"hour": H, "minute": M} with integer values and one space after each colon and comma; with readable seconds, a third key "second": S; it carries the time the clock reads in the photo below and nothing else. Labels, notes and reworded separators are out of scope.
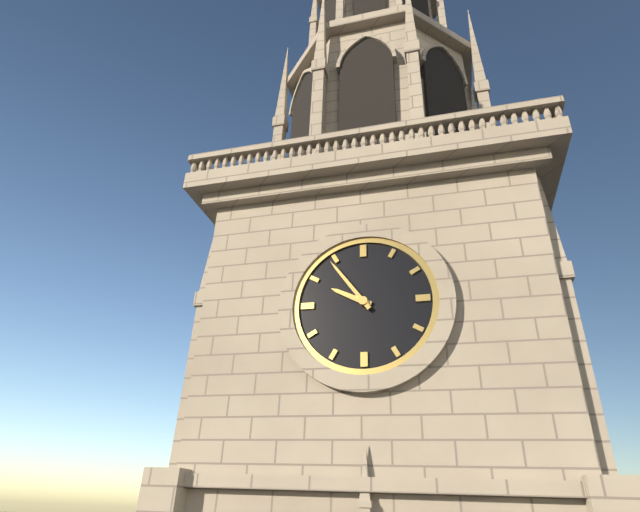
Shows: {"hour": 9, "minute": 54}
